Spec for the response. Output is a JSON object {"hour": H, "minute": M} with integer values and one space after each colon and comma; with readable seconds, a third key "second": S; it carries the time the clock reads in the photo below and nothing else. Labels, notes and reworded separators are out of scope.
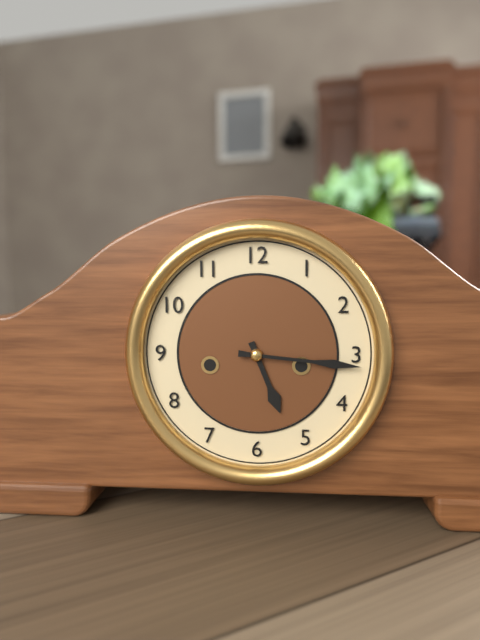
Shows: {"hour": 5, "minute": 16}
